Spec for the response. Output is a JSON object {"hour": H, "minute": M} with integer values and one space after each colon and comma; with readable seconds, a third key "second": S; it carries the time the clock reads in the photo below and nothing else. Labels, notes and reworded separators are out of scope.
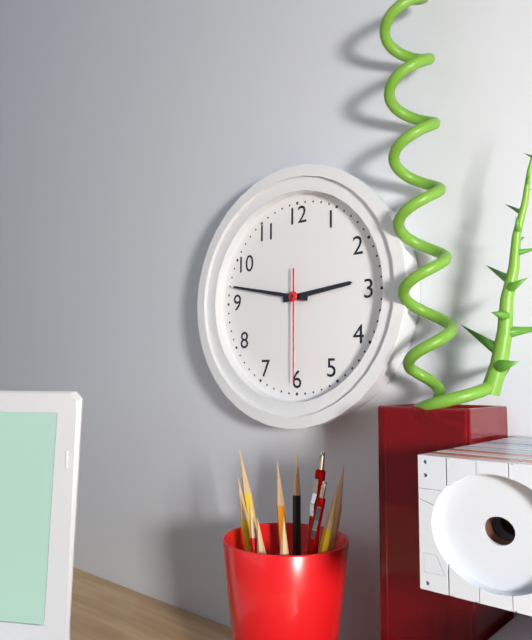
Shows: {"hour": 2, "minute": 47, "second": 30}
